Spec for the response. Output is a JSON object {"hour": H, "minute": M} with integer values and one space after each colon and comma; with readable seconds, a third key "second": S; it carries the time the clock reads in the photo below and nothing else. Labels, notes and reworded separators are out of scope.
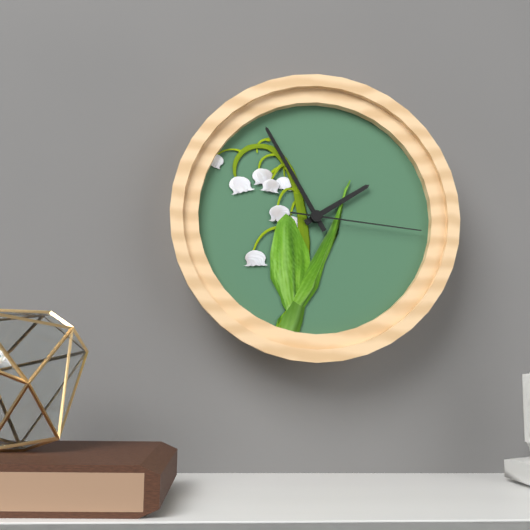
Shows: {"hour": 1, "minute": 55, "second": 16}
